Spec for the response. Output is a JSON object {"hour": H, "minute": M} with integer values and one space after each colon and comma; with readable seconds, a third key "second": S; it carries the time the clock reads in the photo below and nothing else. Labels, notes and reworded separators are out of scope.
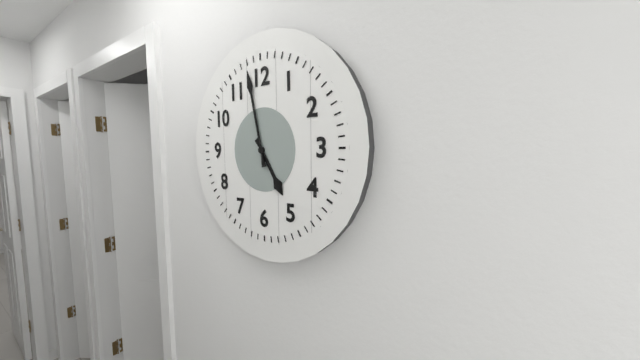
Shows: {"hour": 4, "minute": 58}
